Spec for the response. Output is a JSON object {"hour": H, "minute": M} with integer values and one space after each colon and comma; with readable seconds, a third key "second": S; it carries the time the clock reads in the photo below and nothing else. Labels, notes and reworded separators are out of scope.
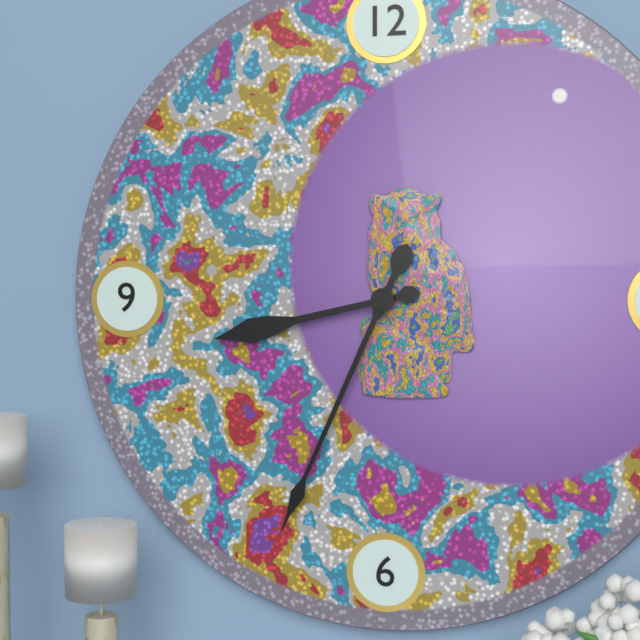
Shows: {"hour": 8, "minute": 34}
